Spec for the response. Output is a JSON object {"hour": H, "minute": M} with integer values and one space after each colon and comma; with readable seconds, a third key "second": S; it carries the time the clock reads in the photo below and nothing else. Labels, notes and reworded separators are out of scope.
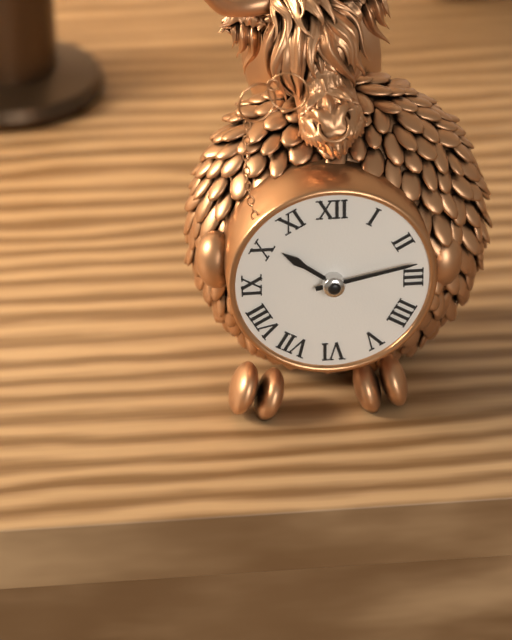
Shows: {"hour": 10, "minute": 13}
